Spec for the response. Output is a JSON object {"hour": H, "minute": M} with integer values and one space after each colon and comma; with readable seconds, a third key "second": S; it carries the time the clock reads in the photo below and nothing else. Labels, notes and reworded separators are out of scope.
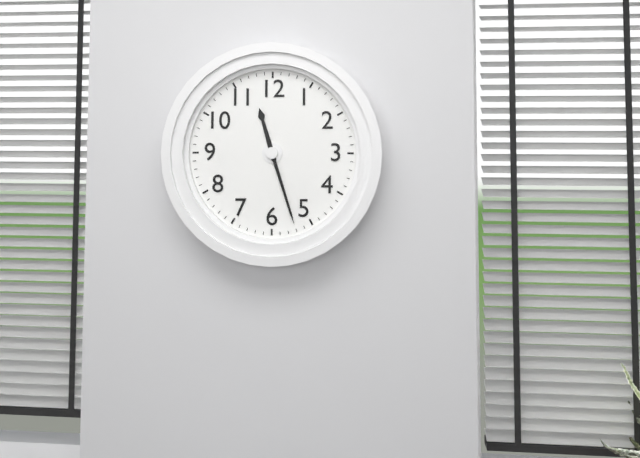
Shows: {"hour": 11, "minute": 27}
